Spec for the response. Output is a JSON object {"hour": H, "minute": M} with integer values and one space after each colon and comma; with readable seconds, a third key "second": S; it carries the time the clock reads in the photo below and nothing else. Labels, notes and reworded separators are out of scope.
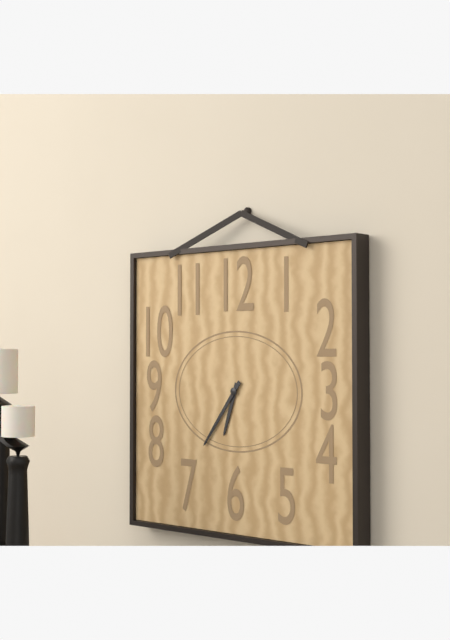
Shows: {"hour": 6, "minute": 36}
